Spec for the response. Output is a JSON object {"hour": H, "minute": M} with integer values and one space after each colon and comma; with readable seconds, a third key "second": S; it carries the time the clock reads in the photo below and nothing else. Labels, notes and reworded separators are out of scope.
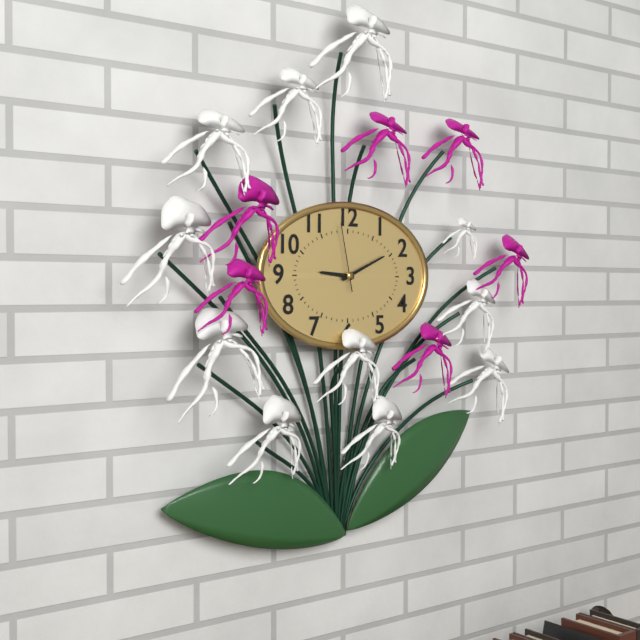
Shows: {"hour": 9, "minute": 11, "second": 58}
